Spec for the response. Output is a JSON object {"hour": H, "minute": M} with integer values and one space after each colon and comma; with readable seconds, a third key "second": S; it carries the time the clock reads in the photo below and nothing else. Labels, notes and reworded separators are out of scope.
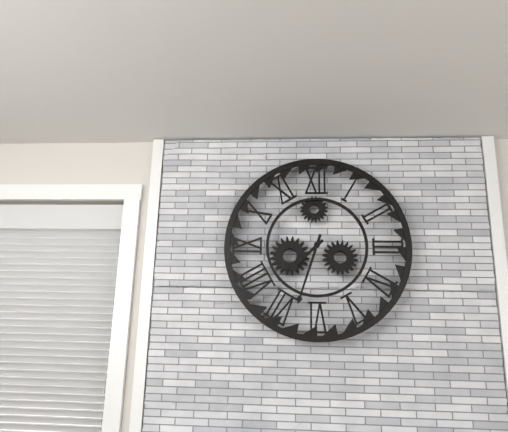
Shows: {"hour": 7, "minute": 33}
